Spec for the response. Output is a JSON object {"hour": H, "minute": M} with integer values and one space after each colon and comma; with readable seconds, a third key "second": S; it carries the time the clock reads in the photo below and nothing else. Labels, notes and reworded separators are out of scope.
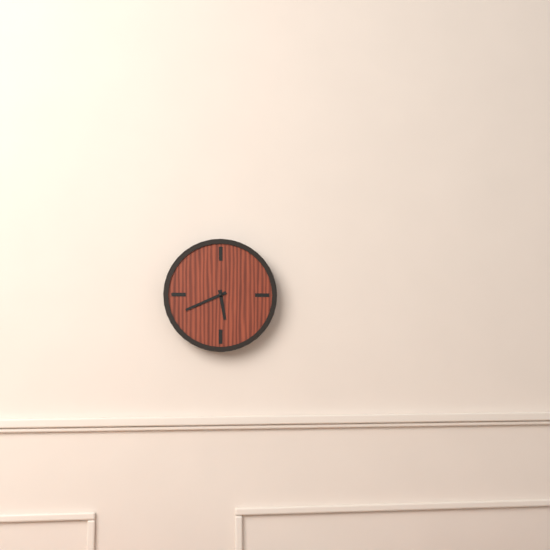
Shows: {"hour": 5, "minute": 41}
